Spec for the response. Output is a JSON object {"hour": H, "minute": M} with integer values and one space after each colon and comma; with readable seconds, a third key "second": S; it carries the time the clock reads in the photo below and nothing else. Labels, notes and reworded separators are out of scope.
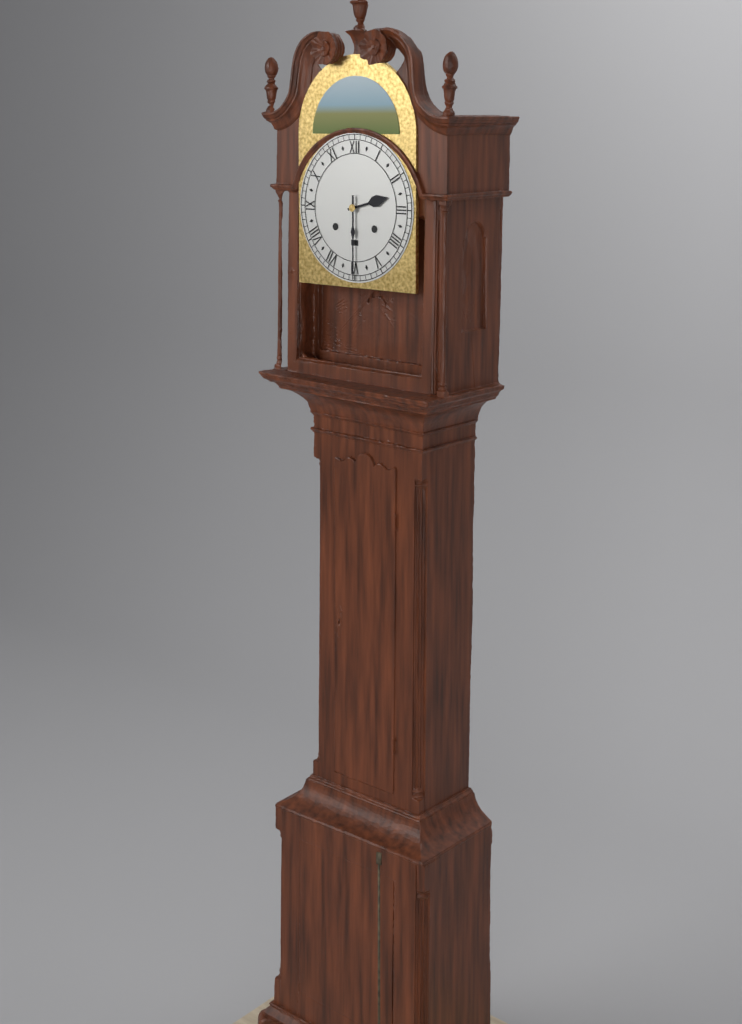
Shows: {"hour": 2, "minute": 30}
